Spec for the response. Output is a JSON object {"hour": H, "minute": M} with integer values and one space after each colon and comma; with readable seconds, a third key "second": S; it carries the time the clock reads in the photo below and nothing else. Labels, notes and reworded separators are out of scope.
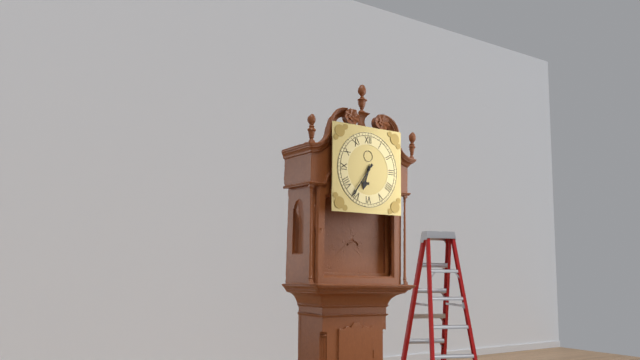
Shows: {"hour": 6, "minute": 36}
